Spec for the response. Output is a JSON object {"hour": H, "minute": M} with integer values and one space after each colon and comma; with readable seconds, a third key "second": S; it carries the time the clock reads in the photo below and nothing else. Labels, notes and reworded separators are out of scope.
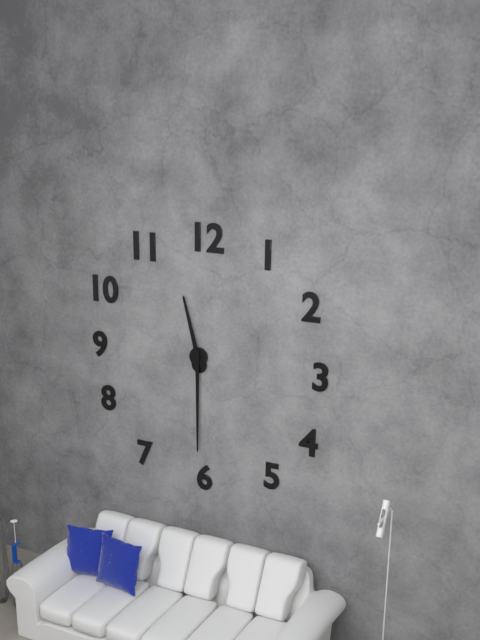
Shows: {"hour": 11, "minute": 30}
